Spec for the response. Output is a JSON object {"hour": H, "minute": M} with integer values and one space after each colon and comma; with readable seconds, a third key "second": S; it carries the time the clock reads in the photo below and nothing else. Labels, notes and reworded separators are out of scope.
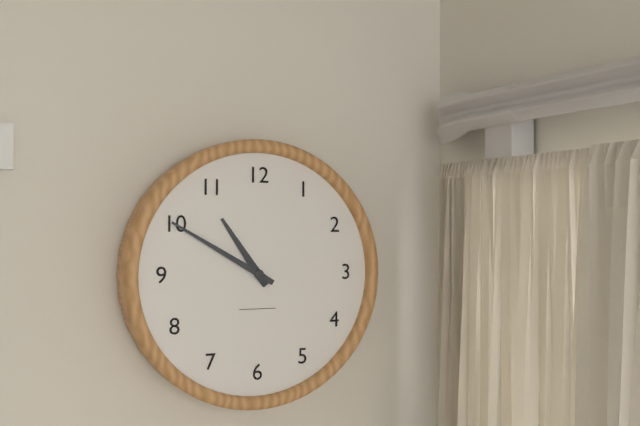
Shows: {"hour": 10, "minute": 50}
